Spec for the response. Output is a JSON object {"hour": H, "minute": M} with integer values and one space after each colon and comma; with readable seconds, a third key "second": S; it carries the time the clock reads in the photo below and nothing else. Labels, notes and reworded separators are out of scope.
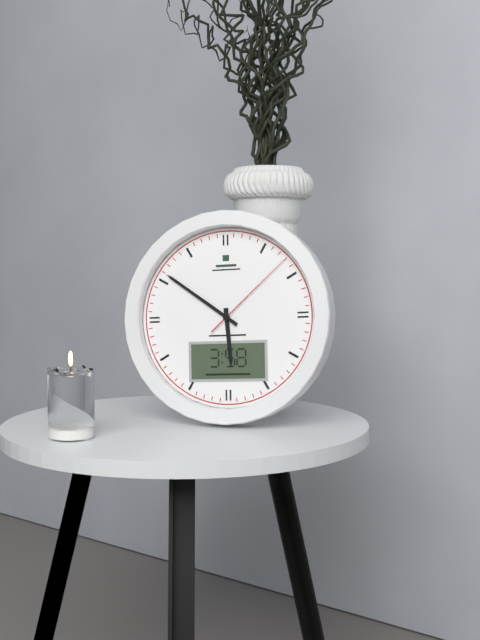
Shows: {"hour": 5, "minute": 51, "second": 8}
